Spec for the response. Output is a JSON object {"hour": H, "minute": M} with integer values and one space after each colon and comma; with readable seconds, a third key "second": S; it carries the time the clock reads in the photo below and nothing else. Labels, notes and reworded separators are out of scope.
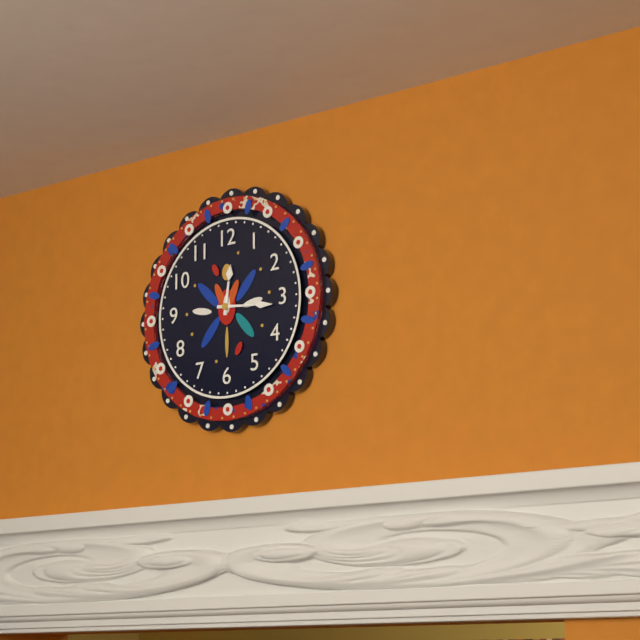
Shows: {"hour": 12, "minute": 16}
